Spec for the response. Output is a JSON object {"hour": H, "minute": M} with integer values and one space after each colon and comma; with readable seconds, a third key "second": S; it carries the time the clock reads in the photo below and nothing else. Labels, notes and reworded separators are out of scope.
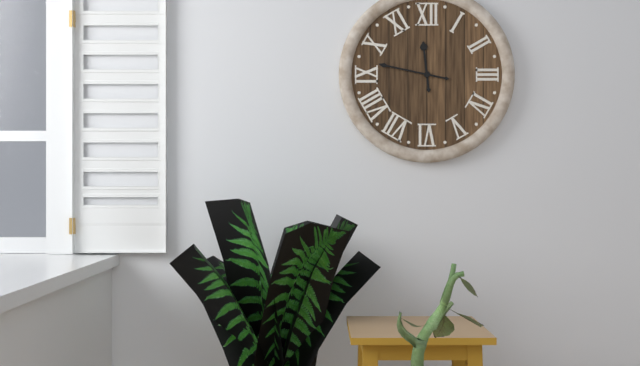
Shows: {"hour": 11, "minute": 47}
